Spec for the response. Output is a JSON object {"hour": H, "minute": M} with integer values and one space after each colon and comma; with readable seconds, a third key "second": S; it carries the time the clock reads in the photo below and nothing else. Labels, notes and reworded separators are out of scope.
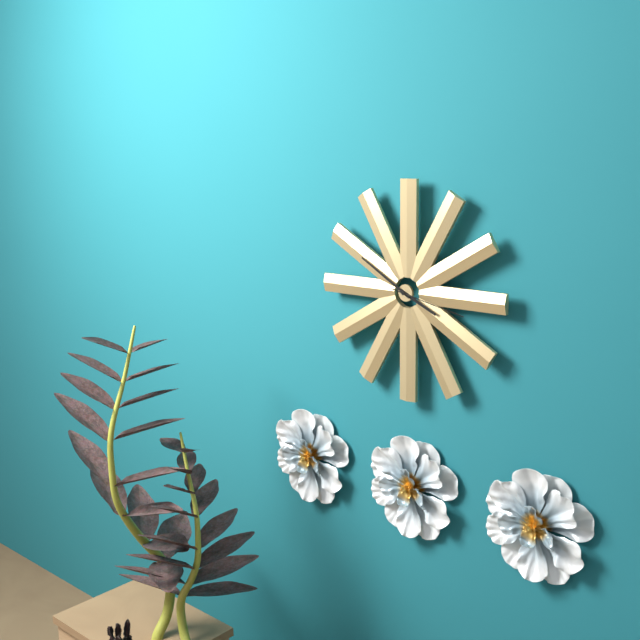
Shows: {"hour": 3, "minute": 50, "second": 17}
